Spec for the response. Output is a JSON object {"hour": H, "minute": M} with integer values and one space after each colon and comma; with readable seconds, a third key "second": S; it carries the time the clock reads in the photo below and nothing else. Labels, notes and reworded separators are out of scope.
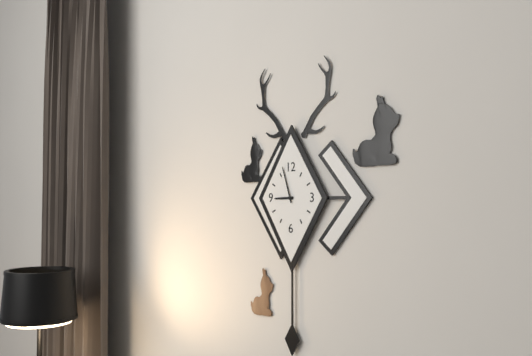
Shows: {"hour": 8, "minute": 57}
